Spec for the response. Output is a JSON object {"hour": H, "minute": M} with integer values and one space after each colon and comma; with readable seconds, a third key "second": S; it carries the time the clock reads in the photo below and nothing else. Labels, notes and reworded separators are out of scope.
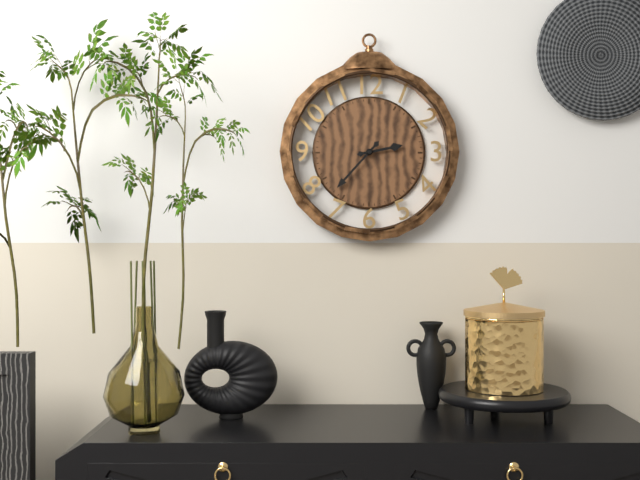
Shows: {"hour": 2, "minute": 37}
